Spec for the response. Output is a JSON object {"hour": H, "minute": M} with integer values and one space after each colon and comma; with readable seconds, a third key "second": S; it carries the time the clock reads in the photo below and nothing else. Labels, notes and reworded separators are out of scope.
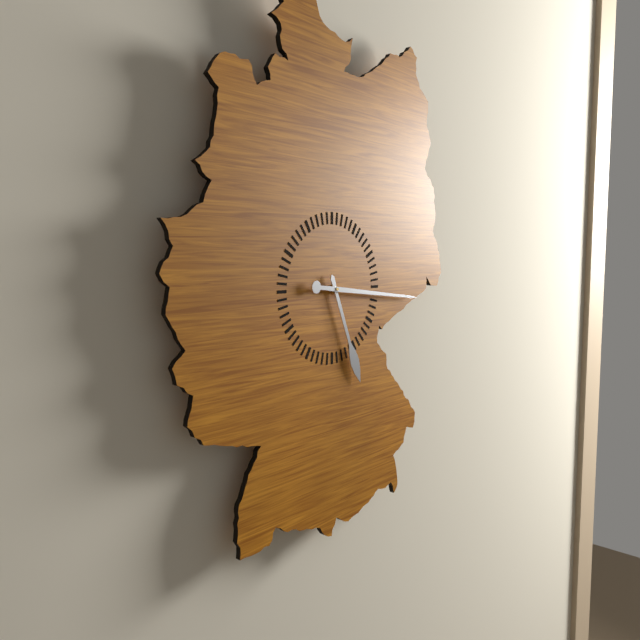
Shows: {"hour": 5, "minute": 16}
